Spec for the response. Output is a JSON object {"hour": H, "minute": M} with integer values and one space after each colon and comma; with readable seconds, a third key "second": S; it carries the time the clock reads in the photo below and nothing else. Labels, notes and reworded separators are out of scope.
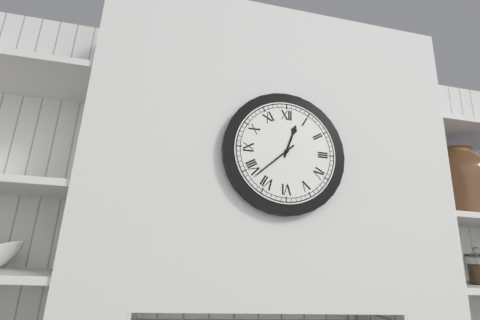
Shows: {"hour": 12, "minute": 38}
